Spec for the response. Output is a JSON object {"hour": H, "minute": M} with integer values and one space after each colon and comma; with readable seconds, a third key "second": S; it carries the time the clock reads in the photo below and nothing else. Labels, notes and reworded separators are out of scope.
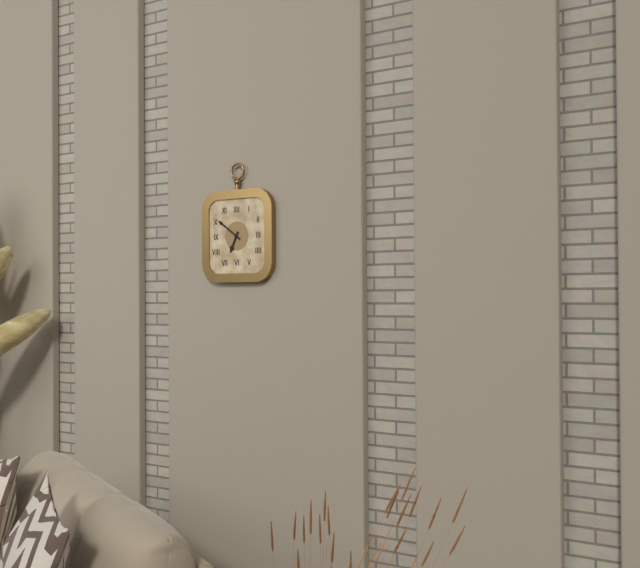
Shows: {"hour": 6, "minute": 51}
